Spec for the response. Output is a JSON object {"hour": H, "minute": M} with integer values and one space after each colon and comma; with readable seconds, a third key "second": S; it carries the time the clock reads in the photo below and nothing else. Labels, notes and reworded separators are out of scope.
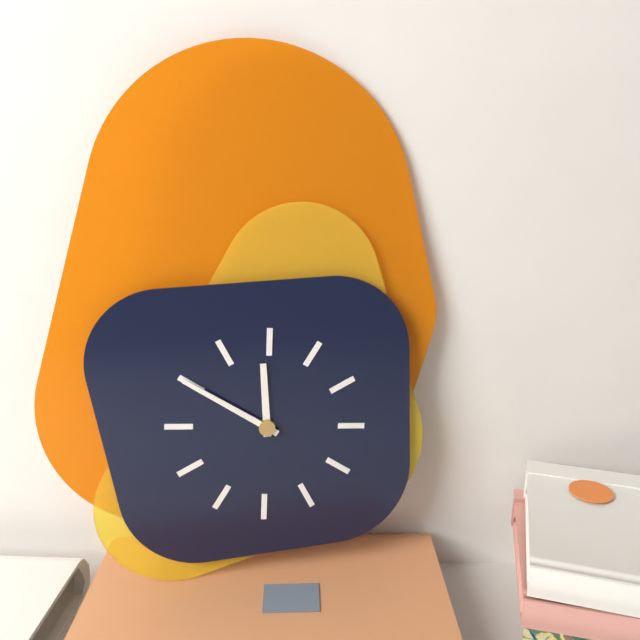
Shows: {"hour": 11, "minute": 50}
